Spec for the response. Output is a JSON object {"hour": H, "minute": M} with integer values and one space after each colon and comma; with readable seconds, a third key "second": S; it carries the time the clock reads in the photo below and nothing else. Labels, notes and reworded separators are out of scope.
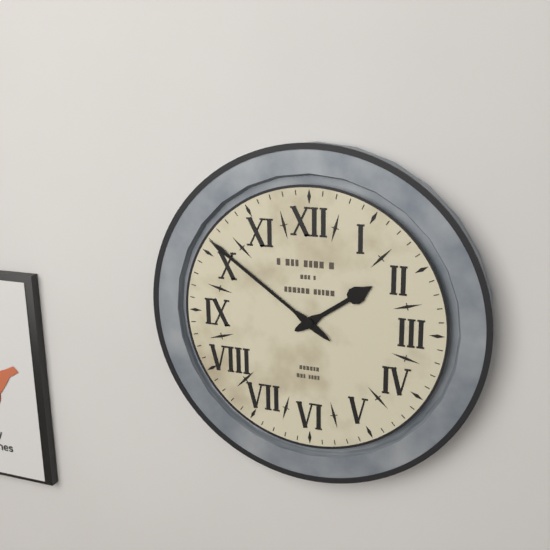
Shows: {"hour": 1, "minute": 51}
